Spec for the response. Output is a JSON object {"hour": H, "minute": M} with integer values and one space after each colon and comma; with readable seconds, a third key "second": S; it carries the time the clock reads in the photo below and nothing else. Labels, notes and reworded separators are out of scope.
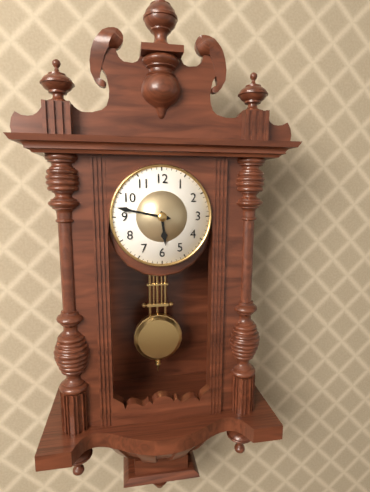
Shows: {"hour": 5, "minute": 47}
